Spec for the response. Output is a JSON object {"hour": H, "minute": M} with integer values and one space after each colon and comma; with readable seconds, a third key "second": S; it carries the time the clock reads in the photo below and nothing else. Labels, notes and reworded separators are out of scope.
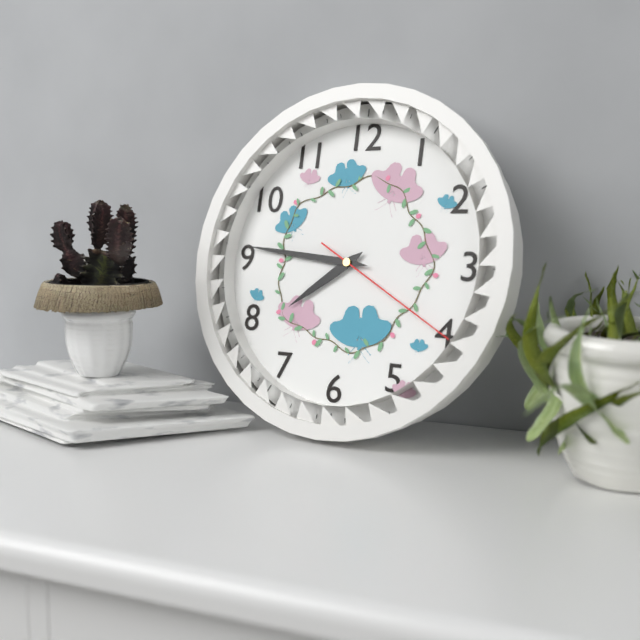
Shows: {"hour": 7, "minute": 46, "second": 20}
